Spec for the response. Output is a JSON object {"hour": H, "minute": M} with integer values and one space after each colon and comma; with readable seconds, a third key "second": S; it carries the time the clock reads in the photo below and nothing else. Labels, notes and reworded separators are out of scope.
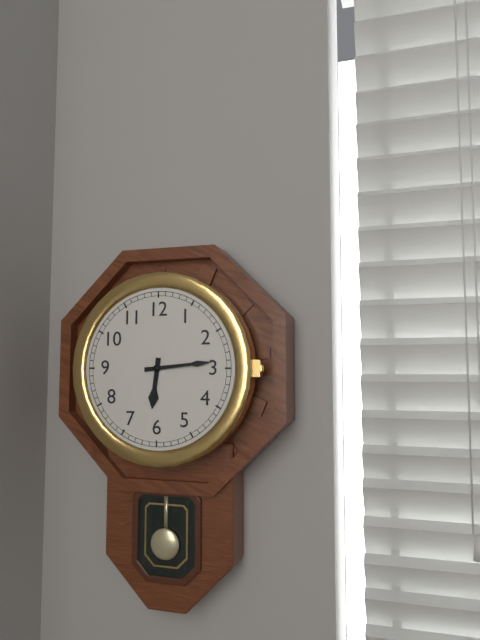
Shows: {"hour": 6, "minute": 14}
